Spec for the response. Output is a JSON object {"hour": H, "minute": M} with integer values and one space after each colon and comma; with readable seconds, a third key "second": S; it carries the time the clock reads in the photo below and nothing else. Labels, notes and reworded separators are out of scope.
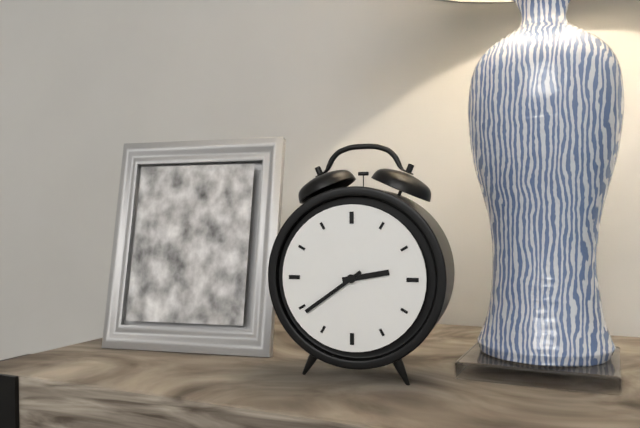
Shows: {"hour": 2, "minute": 39}
